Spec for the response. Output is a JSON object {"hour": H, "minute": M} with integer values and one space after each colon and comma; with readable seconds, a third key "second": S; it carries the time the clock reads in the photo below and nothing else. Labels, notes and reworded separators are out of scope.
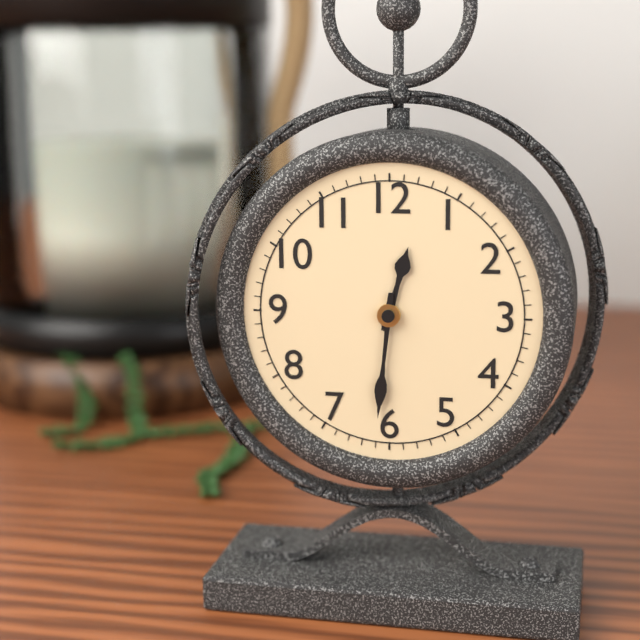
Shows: {"hour": 12, "minute": 31}
